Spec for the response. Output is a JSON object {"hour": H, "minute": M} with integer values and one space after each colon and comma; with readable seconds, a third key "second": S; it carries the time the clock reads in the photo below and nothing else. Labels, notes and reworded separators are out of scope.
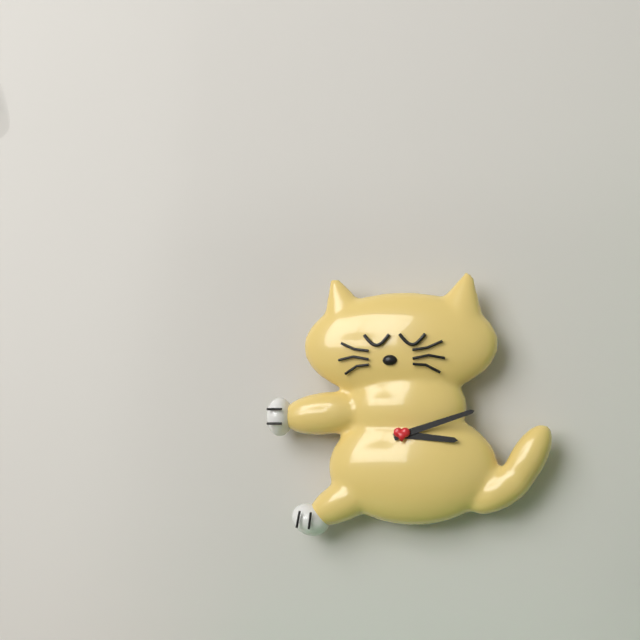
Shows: {"hour": 3, "minute": 12}
